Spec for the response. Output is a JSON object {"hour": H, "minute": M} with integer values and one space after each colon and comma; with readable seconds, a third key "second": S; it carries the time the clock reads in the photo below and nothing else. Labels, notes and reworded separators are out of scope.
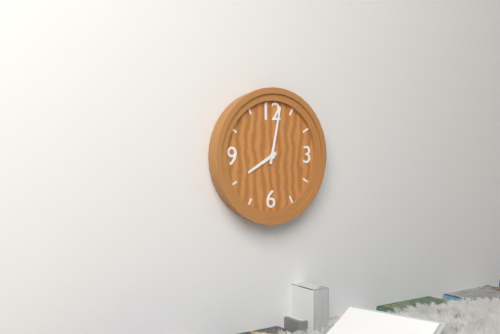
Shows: {"hour": 8, "minute": 2}
